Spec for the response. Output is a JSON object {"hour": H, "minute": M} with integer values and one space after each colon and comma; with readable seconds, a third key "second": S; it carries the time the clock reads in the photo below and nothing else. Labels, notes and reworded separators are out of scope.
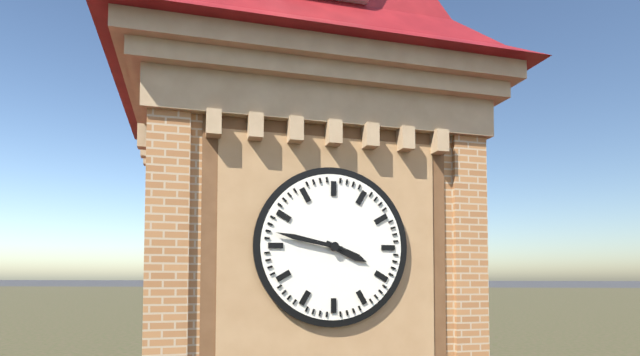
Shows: {"hour": 3, "minute": 47}
